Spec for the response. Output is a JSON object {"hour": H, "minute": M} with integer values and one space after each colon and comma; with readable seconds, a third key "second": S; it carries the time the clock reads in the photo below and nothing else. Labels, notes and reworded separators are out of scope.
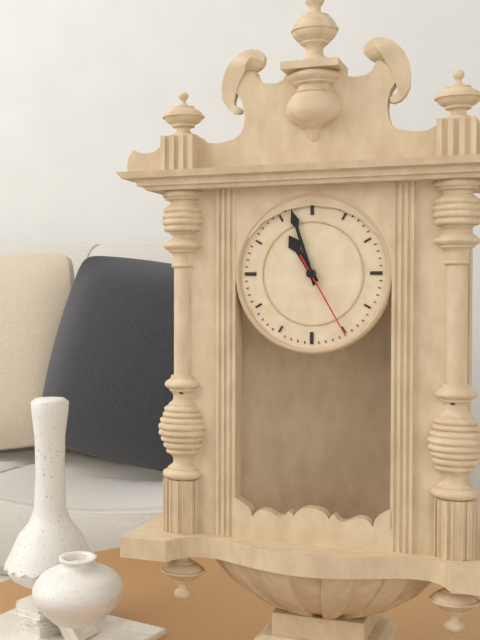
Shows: {"hour": 10, "minute": 57, "second": 25}
